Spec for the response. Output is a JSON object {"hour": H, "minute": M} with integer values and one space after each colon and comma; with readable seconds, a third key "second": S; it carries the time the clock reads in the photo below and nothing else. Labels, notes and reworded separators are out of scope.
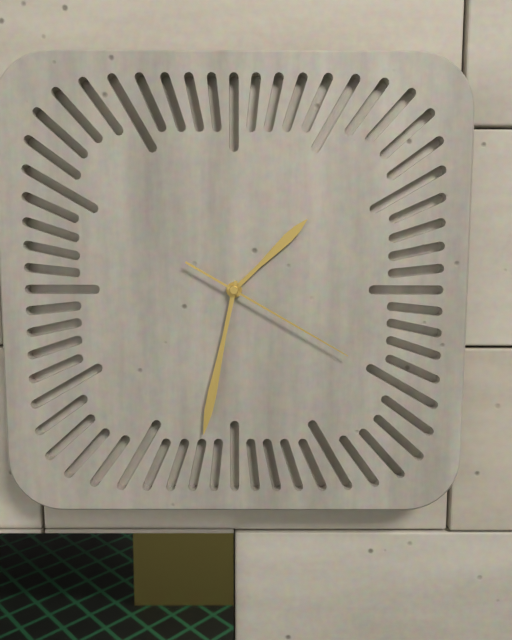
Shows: {"hour": 1, "minute": 32, "second": 20}
